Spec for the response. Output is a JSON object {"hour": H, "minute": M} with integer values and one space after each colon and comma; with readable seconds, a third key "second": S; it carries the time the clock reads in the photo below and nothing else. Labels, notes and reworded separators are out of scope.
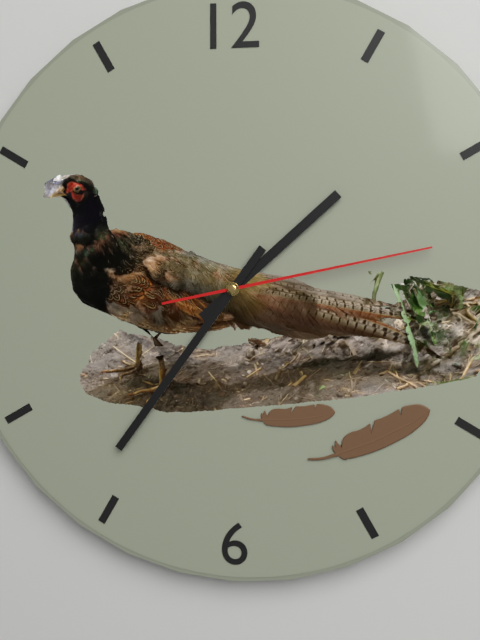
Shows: {"hour": 1, "minute": 36, "second": 13}
